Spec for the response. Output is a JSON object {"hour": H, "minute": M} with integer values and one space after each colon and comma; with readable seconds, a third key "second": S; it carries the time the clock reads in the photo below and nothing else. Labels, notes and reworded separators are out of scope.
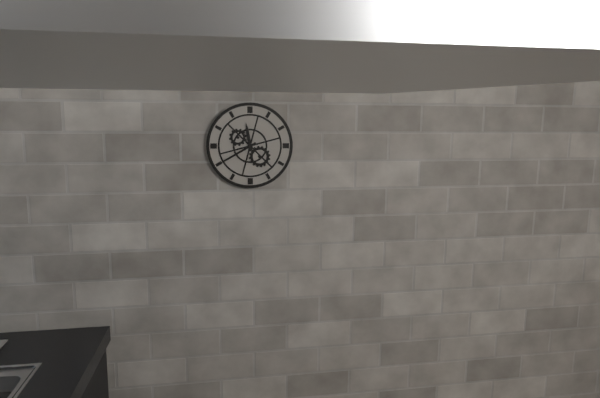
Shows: {"hour": 11, "minute": 40}
